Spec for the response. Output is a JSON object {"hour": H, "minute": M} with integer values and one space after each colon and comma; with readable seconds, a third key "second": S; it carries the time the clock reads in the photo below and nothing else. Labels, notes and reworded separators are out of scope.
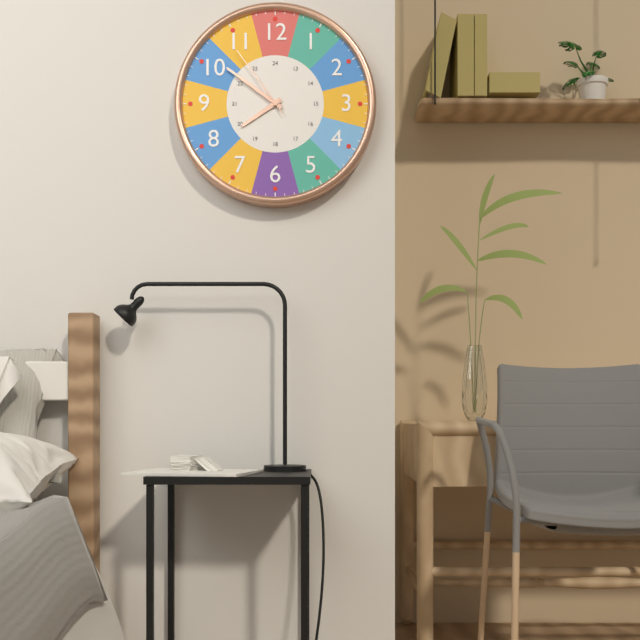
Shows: {"hour": 7, "minute": 51, "second": 54}
